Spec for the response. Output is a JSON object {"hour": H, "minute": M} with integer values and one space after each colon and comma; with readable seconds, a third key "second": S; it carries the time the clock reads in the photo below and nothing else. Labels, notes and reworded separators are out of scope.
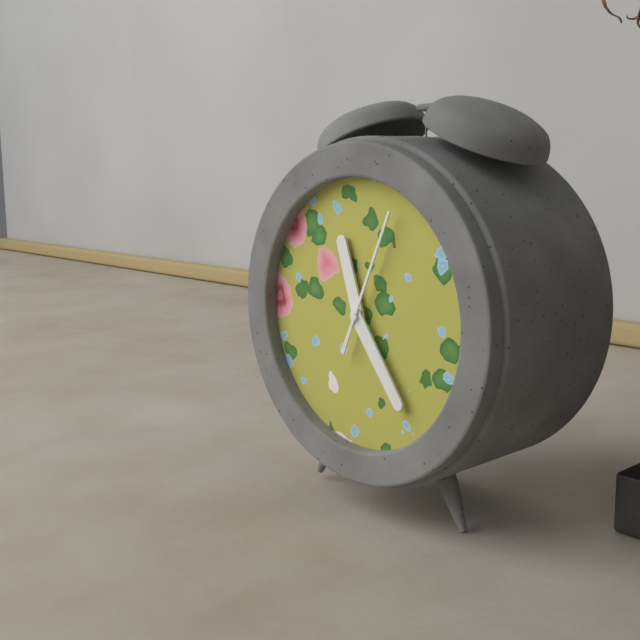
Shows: {"hour": 11, "minute": 24, "second": 4}
